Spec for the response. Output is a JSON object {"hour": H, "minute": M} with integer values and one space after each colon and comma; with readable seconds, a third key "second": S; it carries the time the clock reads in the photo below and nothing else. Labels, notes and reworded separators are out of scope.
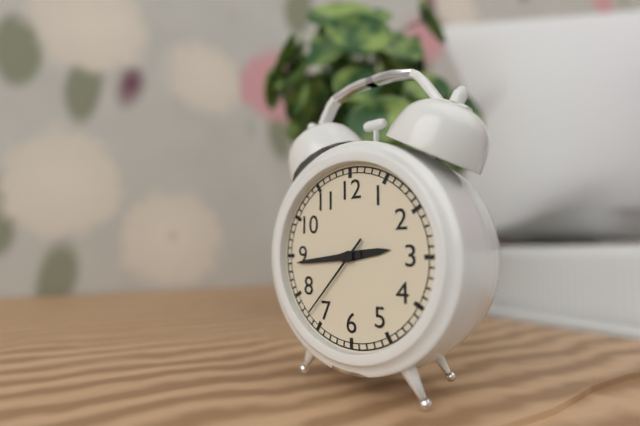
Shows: {"hour": 2, "minute": 44, "second": 37}
